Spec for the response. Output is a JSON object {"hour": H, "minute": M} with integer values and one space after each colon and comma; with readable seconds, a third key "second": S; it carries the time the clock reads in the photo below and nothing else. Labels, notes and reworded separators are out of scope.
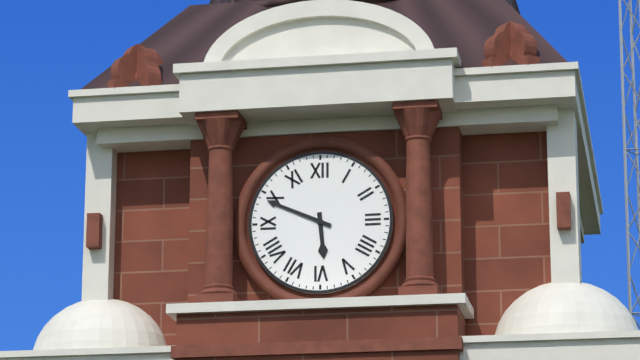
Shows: {"hour": 5, "minute": 49}
